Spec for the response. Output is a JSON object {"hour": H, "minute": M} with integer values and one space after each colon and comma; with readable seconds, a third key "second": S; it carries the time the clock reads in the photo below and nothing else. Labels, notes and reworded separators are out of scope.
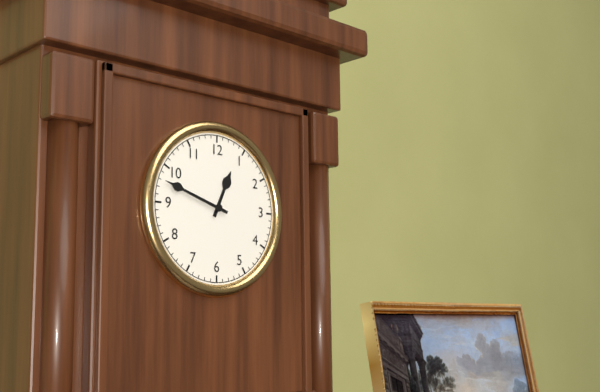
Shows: {"hour": 12, "minute": 48}
